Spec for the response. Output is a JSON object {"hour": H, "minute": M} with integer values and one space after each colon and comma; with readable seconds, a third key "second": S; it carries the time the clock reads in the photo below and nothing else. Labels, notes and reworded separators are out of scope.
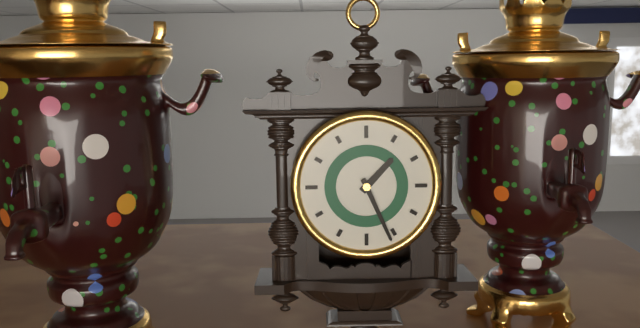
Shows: {"hour": 1, "minute": 26}
